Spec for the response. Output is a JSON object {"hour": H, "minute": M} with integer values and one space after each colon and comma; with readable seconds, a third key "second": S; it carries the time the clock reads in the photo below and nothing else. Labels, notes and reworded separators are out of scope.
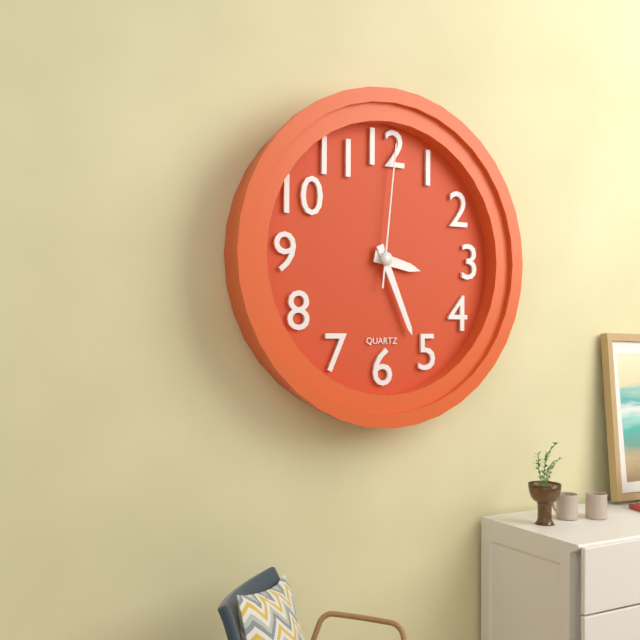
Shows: {"hour": 3, "minute": 26, "second": 1}
